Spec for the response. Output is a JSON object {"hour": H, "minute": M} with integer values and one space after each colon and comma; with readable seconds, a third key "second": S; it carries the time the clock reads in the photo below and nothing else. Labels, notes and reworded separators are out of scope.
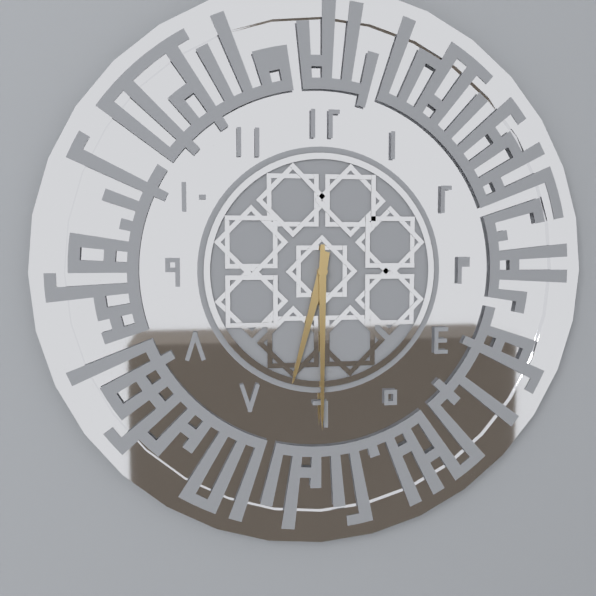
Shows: {"hour": 6, "minute": 30}
